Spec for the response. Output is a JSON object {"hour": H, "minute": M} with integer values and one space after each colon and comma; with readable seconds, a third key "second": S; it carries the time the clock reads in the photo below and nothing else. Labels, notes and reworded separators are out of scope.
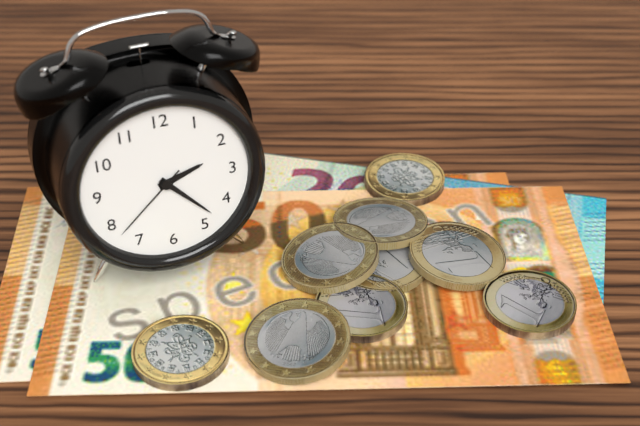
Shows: {"hour": 2, "minute": 23, "second": 38}
